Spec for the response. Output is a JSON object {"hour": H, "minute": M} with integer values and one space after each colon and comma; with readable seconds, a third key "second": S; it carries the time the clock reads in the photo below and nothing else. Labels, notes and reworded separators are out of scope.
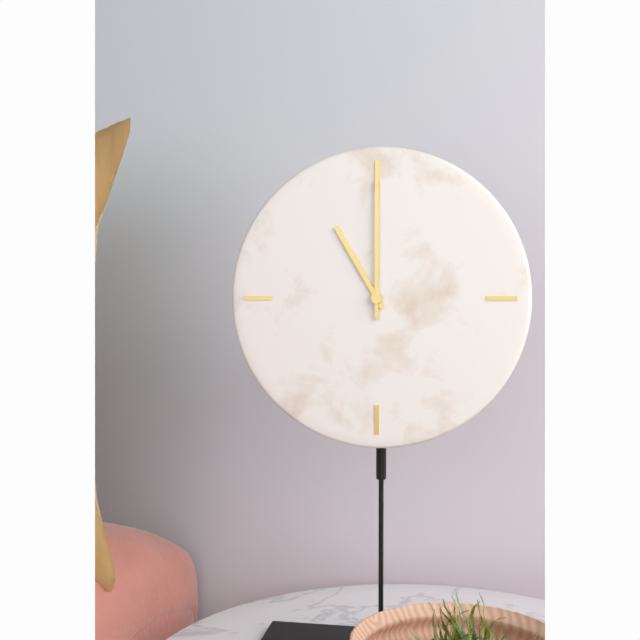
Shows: {"hour": 11, "minute": 0}
